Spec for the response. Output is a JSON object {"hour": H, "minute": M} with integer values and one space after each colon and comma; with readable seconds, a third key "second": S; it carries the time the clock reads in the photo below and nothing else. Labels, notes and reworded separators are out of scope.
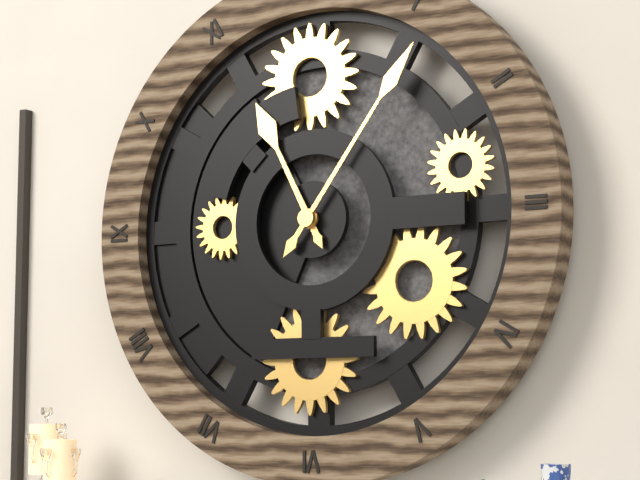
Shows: {"hour": 11, "minute": 6}
